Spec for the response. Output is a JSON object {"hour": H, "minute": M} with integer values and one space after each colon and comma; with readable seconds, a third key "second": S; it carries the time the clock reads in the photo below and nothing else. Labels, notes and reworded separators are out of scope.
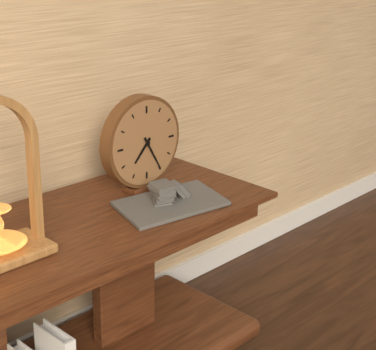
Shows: {"hour": 7, "minute": 25}
